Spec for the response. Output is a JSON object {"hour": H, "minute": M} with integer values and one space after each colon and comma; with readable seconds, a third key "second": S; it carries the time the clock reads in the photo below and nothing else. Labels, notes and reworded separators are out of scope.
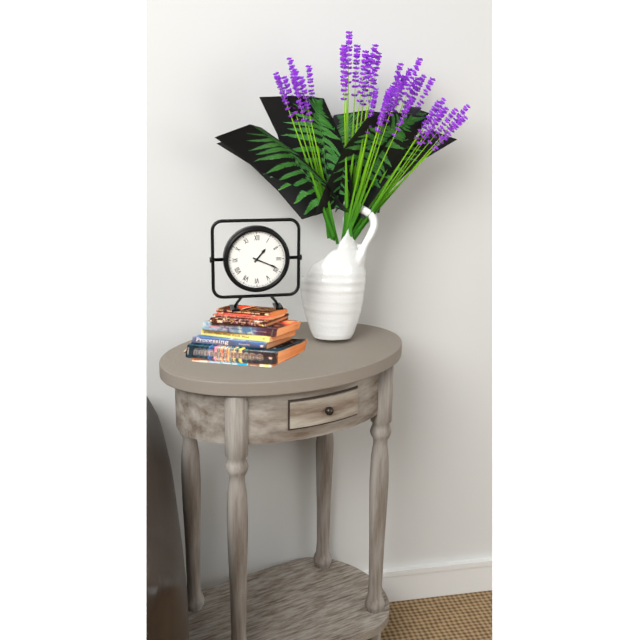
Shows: {"hour": 1, "minute": 19}
